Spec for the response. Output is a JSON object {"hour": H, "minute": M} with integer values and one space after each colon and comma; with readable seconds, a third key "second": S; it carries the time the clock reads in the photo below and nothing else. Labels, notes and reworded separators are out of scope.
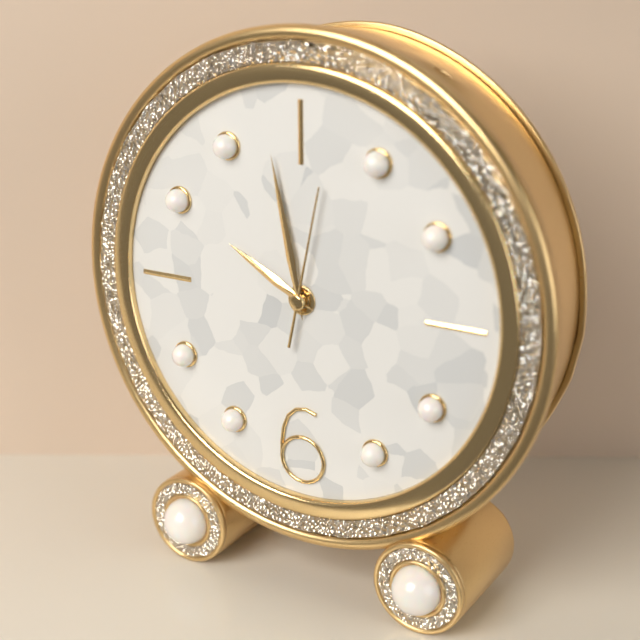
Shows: {"hour": 9, "minute": 58, "second": 2}
